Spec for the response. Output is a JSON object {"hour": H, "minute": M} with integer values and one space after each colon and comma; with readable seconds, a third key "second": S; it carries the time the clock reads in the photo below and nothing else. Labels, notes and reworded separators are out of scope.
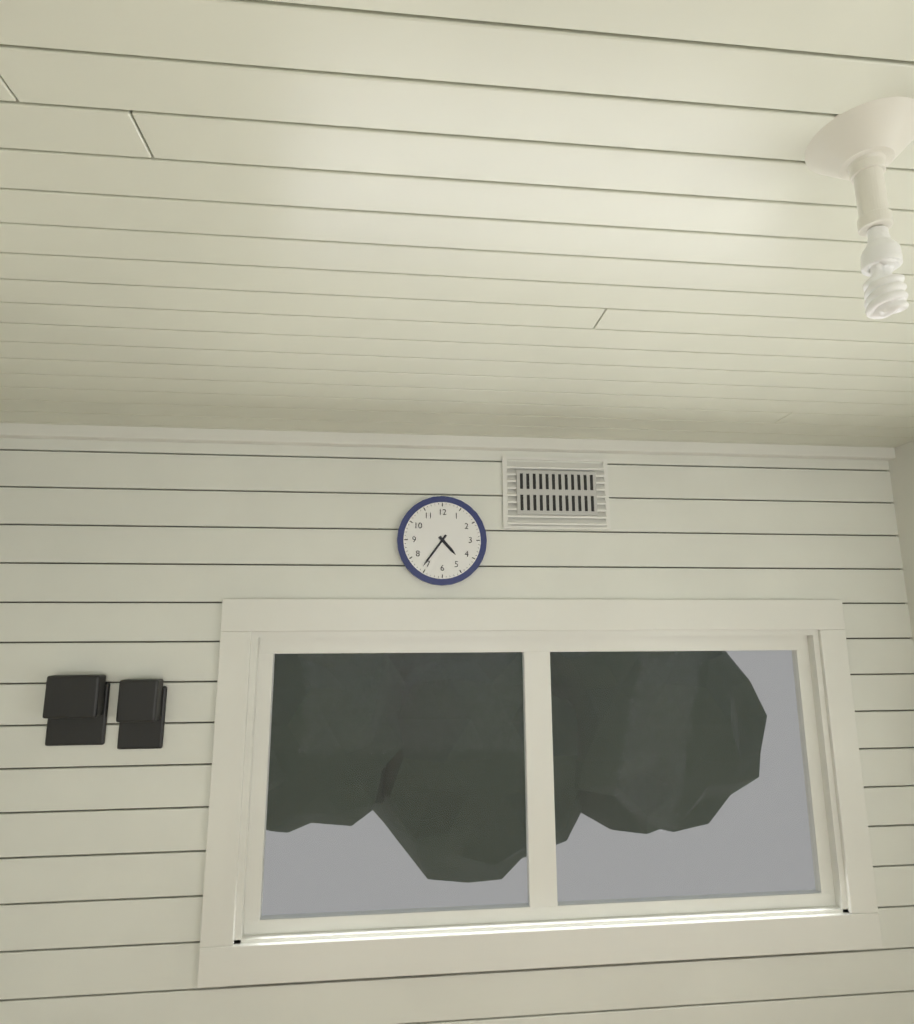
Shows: {"hour": 4, "minute": 36}
